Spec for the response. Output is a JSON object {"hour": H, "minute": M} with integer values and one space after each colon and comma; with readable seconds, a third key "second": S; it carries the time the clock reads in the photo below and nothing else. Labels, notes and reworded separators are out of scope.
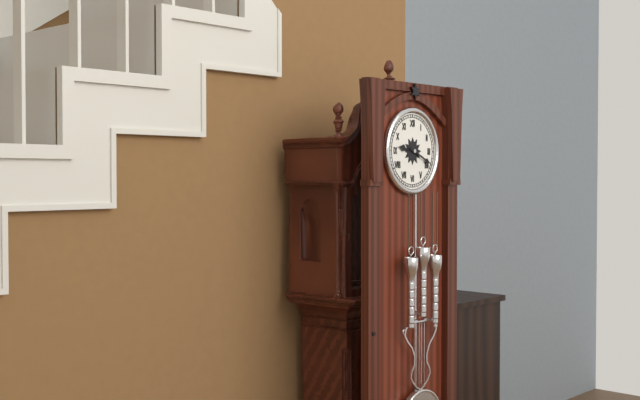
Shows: {"hour": 9, "minute": 19}
